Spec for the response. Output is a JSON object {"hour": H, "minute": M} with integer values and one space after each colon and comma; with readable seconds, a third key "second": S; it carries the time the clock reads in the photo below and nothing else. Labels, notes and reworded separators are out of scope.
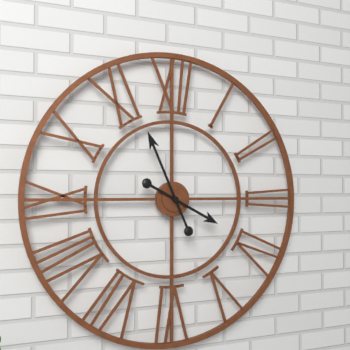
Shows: {"hour": 3, "minute": 56}
